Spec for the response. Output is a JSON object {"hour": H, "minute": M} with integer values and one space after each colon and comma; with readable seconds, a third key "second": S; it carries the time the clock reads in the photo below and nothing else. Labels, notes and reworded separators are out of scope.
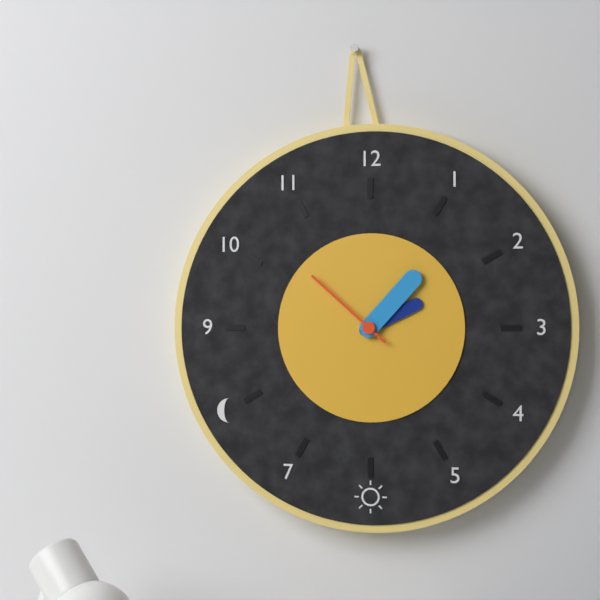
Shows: {"hour": 2, "minute": 7, "second": 52}
